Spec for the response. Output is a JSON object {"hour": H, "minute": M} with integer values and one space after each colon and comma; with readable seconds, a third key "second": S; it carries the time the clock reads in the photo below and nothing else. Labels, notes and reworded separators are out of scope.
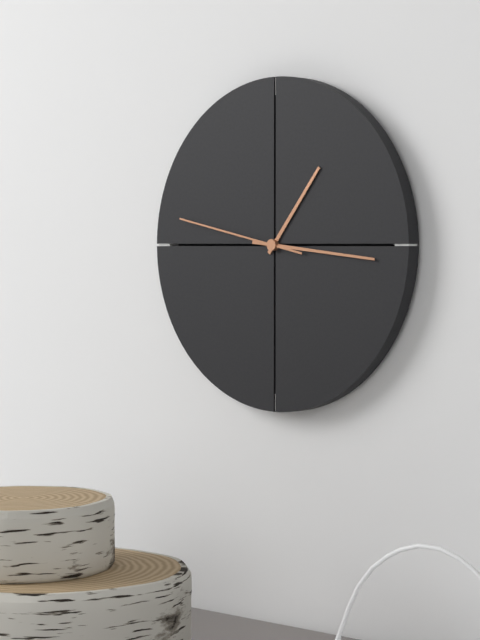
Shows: {"hour": 1, "minute": 16, "second": 47}
